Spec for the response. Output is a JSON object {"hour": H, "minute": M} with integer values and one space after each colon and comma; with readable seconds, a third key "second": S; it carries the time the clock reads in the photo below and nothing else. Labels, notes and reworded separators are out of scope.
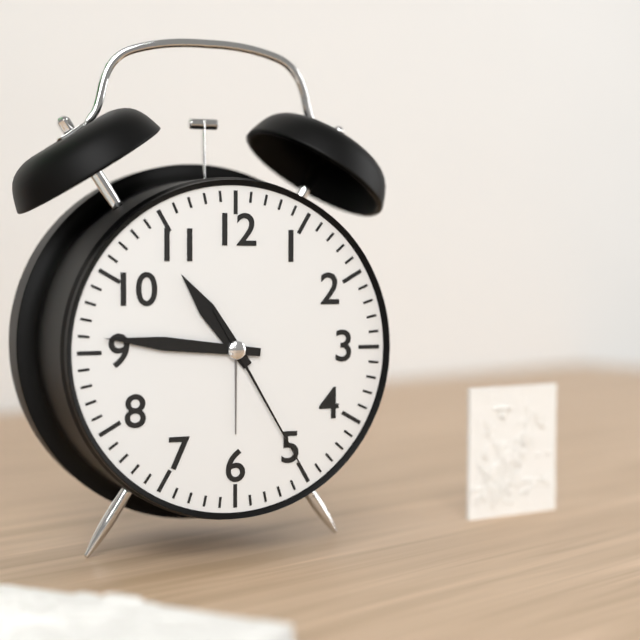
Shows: {"hour": 10, "minute": 46, "second": 25}
